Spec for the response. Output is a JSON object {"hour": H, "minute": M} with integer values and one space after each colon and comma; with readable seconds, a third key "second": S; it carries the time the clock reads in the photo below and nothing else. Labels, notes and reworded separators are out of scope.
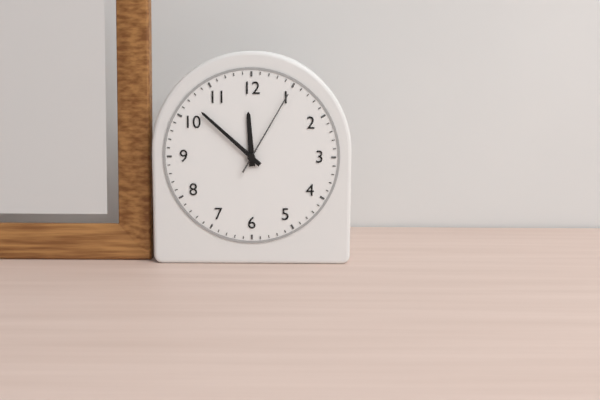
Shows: {"hour": 11, "minute": 52, "second": 5}
